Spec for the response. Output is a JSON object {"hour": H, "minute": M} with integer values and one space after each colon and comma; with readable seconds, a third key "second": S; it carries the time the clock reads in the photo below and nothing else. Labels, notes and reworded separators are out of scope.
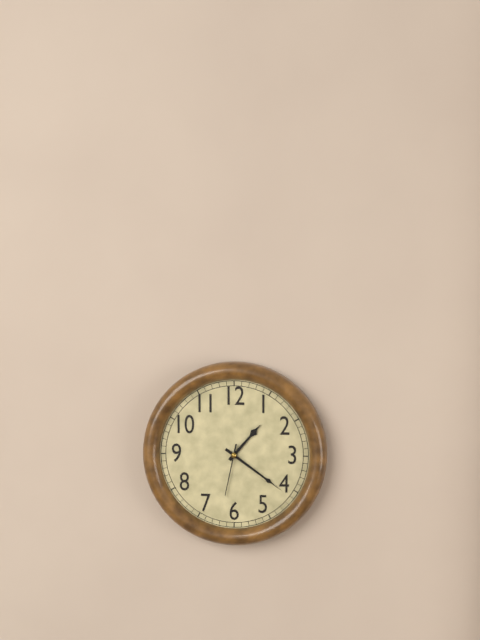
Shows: {"hour": 1, "minute": 21, "second": 32}
